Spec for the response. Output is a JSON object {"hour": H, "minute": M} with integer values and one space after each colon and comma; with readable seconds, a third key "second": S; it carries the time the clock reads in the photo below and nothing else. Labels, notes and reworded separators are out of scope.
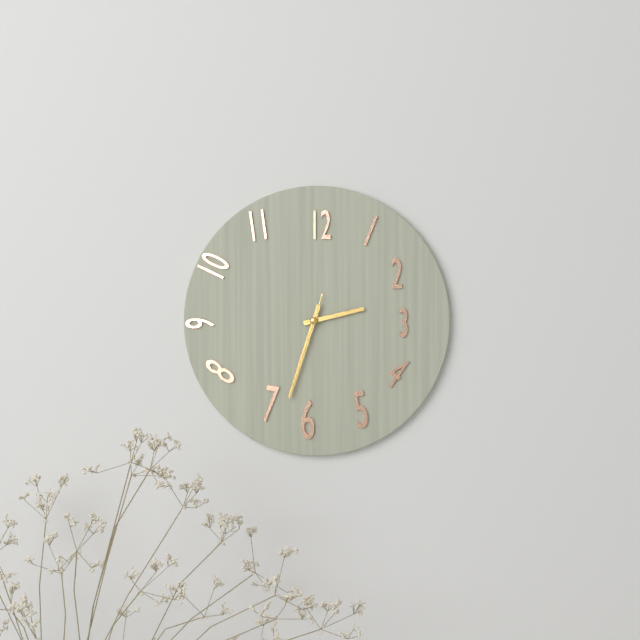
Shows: {"hour": 2, "minute": 33, "second": 33}
